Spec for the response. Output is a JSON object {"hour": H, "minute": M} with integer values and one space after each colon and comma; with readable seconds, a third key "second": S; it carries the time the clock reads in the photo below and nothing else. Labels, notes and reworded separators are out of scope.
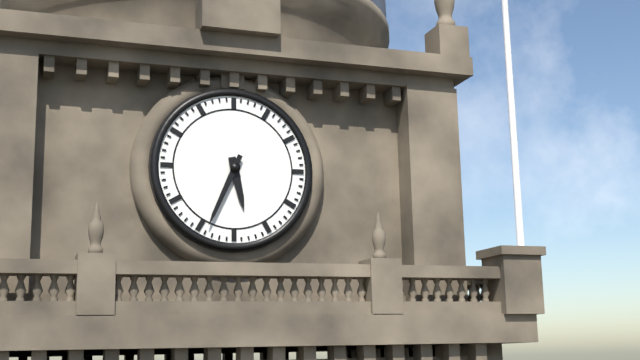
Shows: {"hour": 5, "minute": 34}
